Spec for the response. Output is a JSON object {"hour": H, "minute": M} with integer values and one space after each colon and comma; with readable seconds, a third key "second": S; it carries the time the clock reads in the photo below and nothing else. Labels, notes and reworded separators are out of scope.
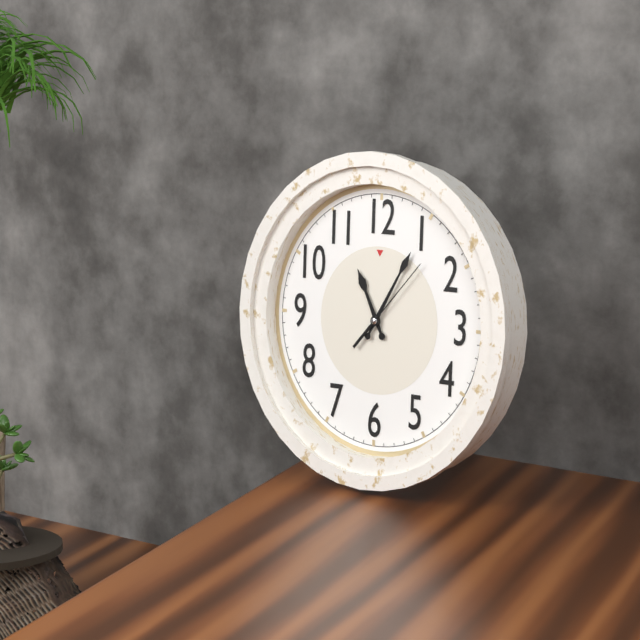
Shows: {"hour": 11, "minute": 5, "second": 7}
